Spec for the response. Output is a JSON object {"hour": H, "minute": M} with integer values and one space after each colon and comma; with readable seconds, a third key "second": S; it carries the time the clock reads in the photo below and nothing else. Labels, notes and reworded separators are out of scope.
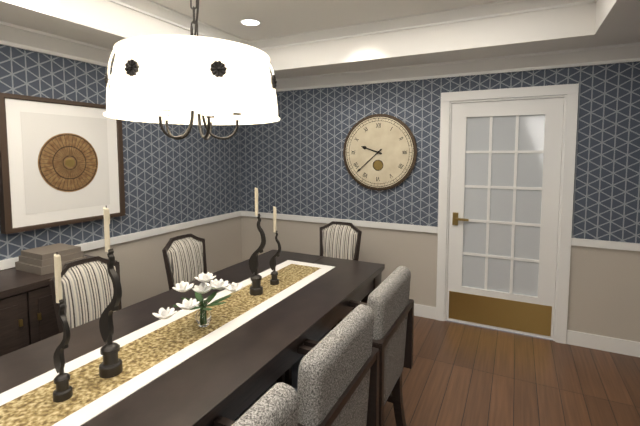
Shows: {"hour": 9, "minute": 38}
